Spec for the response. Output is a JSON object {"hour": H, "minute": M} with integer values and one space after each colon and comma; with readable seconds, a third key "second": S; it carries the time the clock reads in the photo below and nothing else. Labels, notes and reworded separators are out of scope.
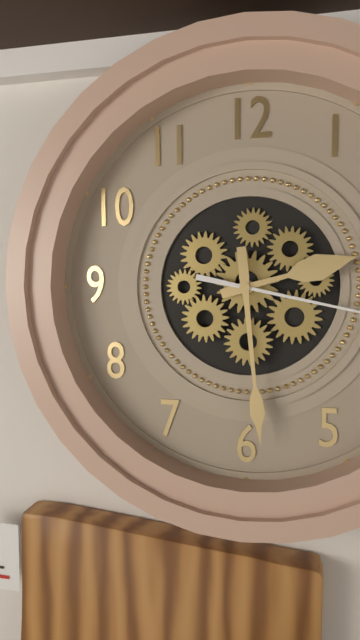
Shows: {"hour": 2, "minute": 29}
